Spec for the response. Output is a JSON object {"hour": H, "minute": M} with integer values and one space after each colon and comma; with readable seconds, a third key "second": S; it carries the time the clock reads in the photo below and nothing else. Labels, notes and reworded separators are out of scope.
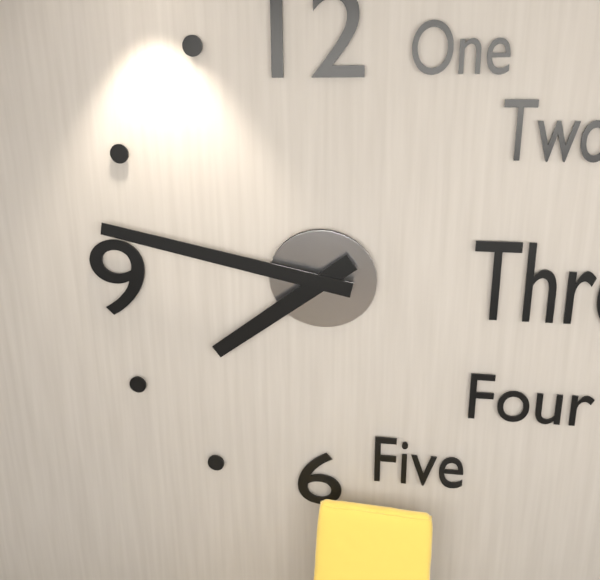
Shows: {"hour": 7, "minute": 47}
